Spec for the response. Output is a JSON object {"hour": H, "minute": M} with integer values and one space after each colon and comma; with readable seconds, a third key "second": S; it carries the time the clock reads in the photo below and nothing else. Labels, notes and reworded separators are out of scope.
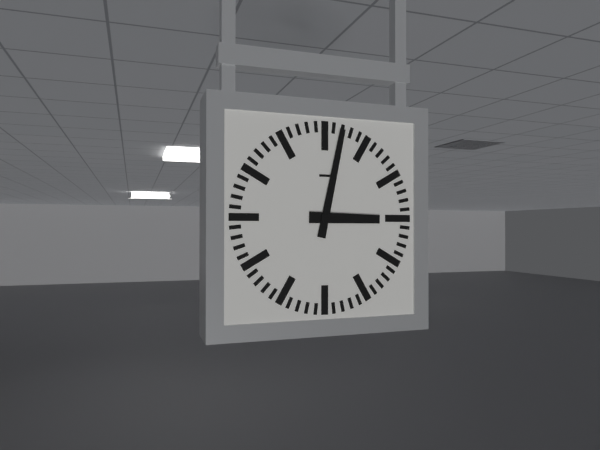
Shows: {"hour": 3, "minute": 2}
